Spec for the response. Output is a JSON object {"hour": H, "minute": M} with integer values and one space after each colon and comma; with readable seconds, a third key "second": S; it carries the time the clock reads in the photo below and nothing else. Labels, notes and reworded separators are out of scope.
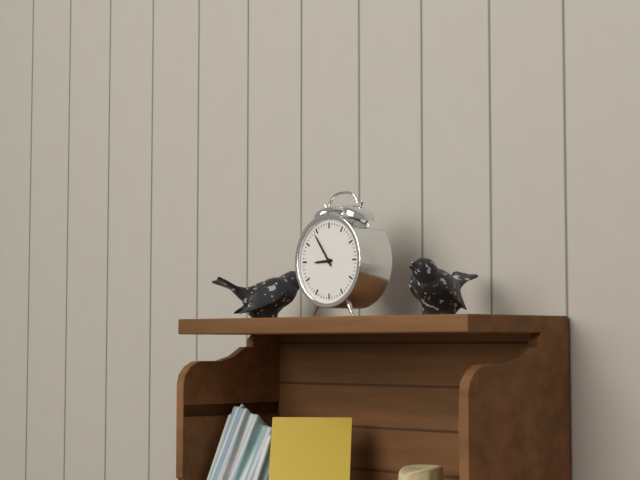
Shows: {"hour": 8, "minute": 54}
